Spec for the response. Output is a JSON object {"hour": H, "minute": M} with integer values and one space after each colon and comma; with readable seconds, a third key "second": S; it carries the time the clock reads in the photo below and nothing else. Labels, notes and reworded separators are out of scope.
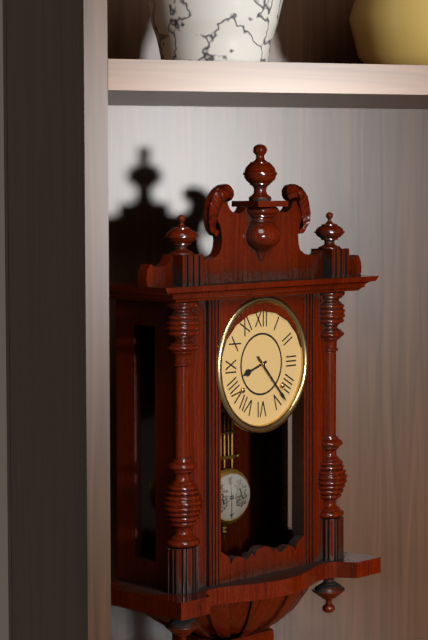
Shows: {"hour": 8, "minute": 23}
